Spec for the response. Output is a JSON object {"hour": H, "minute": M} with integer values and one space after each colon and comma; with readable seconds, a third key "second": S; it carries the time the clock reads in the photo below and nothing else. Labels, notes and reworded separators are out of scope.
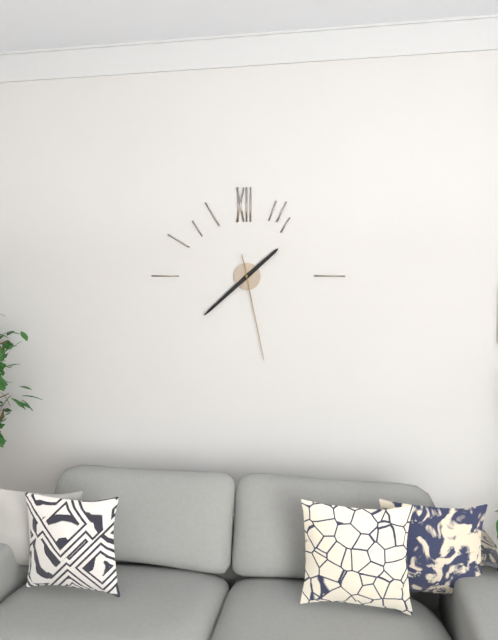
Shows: {"hour": 1, "minute": 38, "second": 28}
